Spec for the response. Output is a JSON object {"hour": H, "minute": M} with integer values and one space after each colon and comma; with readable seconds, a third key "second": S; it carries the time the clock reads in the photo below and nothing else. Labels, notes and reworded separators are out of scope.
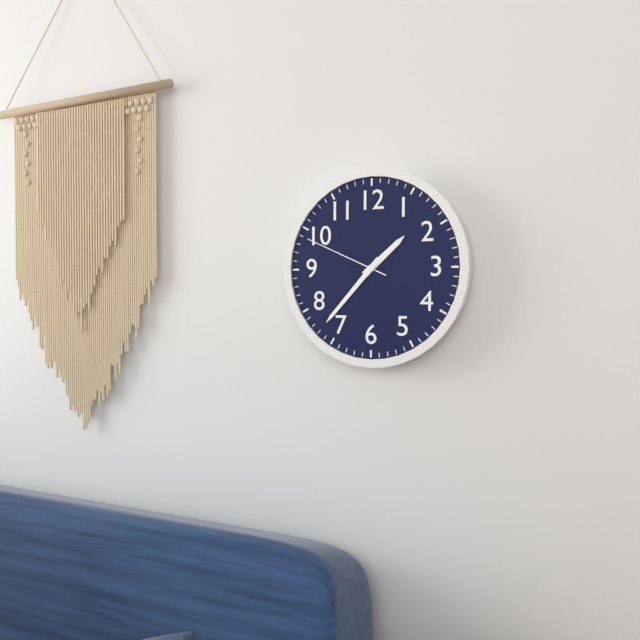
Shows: {"hour": 1, "minute": 37, "second": 49}
